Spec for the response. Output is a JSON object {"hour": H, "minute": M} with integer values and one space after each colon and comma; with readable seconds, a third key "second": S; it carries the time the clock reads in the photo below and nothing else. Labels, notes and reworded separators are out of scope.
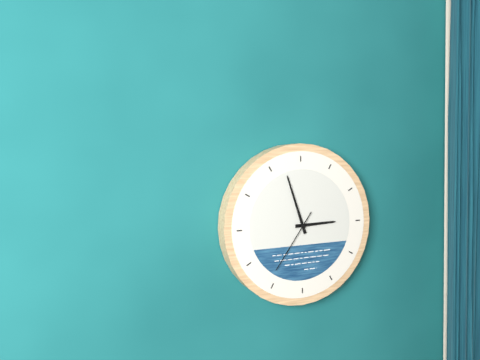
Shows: {"hour": 2, "minute": 57, "second": 36}
